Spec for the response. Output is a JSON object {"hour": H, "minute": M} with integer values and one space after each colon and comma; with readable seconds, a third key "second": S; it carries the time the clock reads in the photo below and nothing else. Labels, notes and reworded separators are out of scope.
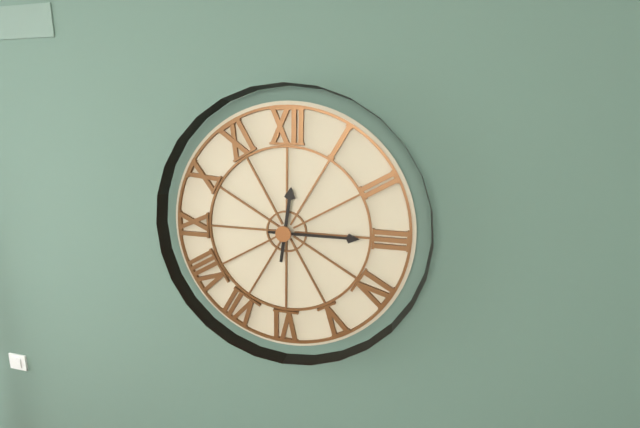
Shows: {"hour": 12, "minute": 15}
